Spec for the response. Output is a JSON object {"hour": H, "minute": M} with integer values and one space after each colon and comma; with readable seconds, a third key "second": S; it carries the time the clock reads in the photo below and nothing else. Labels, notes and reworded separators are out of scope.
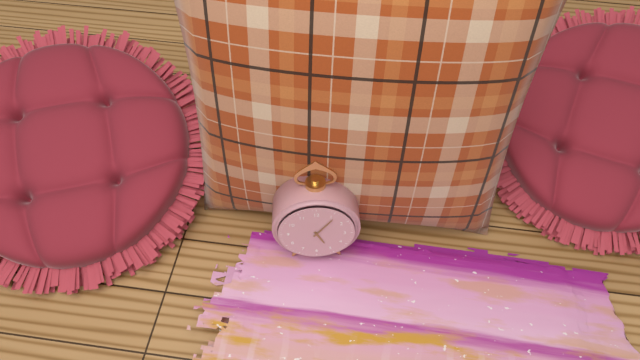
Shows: {"hour": 5, "minute": 6}
